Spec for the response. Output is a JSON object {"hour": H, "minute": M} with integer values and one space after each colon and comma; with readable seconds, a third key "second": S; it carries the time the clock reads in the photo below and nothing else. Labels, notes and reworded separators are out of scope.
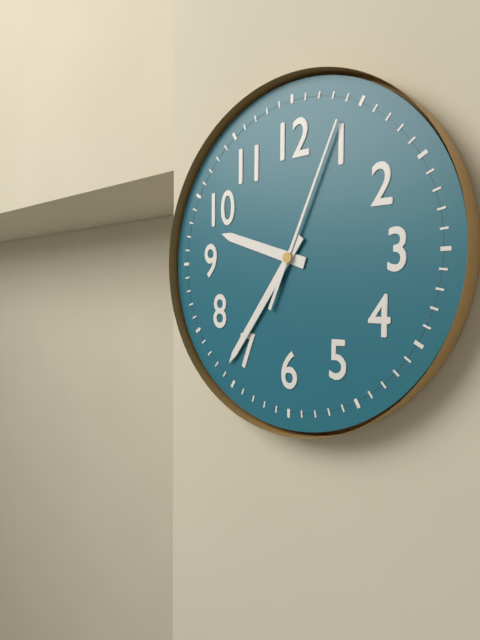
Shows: {"hour": 9, "minute": 36, "second": 4}
